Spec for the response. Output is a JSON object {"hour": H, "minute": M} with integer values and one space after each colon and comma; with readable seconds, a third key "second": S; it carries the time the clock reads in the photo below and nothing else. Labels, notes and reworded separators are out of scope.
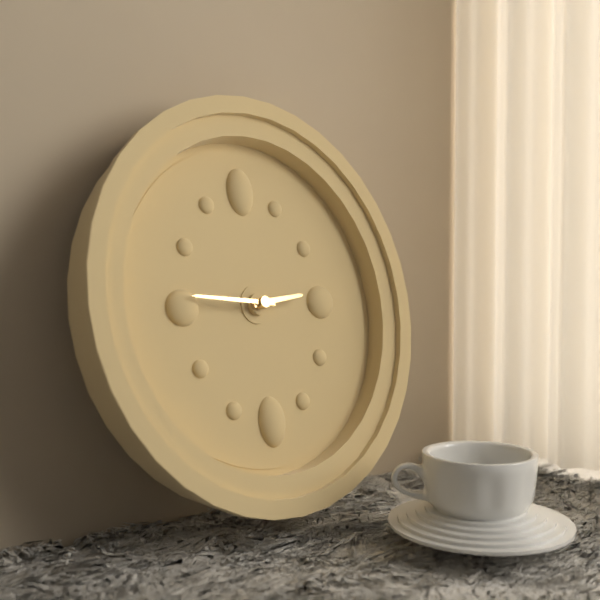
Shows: {"hour": 2, "minute": 46}
